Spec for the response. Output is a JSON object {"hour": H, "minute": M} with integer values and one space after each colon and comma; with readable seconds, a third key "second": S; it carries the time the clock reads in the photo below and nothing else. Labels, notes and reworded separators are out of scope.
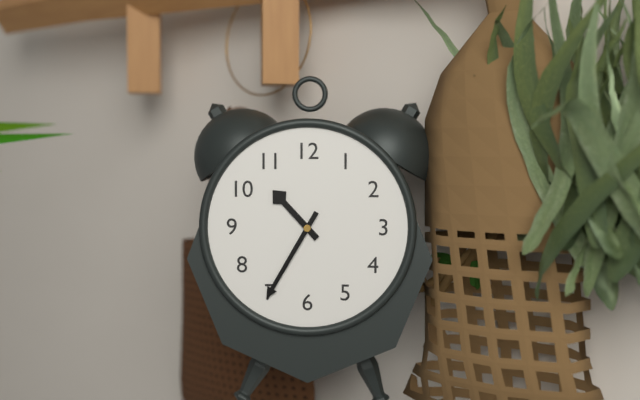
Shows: {"hour": 10, "minute": 35}
